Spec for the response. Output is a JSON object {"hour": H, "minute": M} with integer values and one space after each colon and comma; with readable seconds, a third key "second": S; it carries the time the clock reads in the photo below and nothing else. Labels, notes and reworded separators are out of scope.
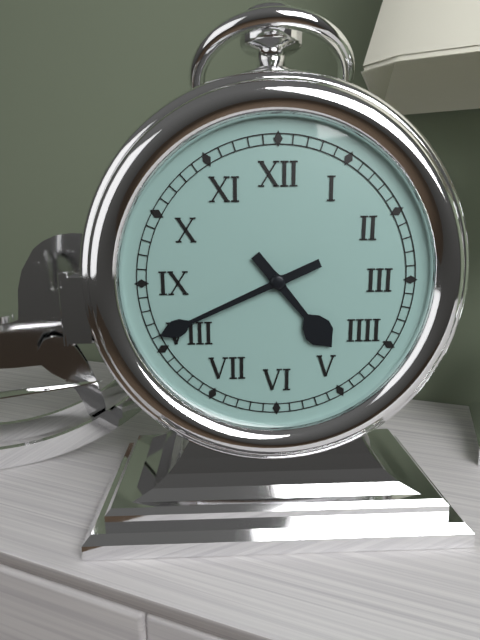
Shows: {"hour": 4, "minute": 41}
